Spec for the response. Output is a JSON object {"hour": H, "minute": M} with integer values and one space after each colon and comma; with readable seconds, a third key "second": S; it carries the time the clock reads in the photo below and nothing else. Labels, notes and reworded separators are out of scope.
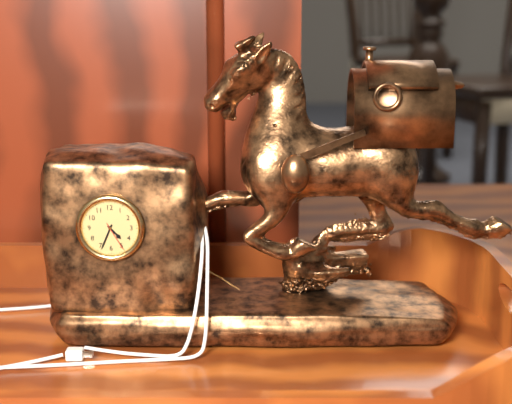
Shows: {"hour": 4, "minute": 34}
